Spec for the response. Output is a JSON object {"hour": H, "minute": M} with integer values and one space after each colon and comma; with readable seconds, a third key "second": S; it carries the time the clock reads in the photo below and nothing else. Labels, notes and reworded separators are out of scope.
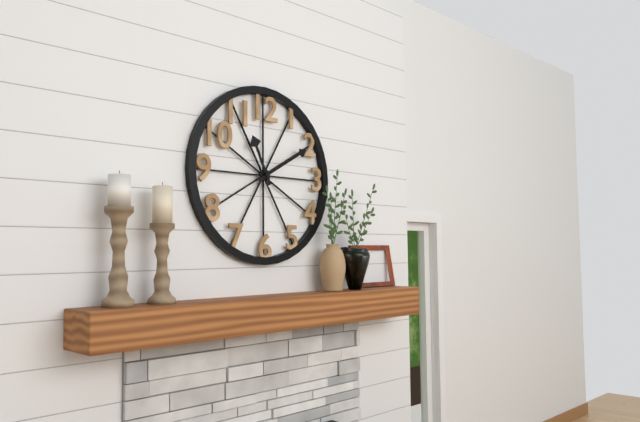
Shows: {"hour": 11, "minute": 10}
